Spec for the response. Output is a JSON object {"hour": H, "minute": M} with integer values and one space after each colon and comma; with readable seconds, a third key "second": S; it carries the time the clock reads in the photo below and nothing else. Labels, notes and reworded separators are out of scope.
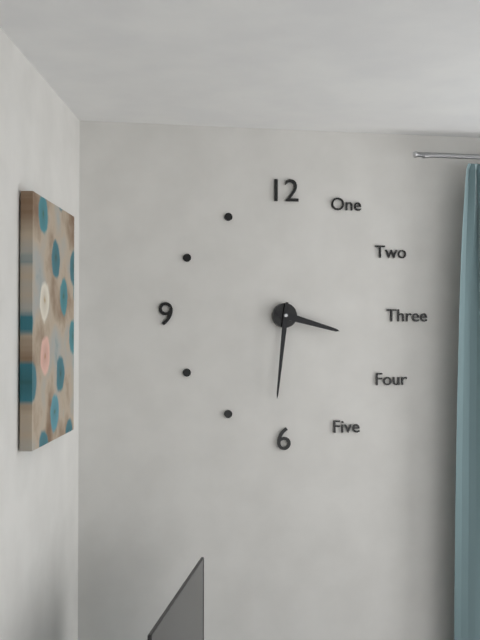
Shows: {"hour": 3, "minute": 31}
